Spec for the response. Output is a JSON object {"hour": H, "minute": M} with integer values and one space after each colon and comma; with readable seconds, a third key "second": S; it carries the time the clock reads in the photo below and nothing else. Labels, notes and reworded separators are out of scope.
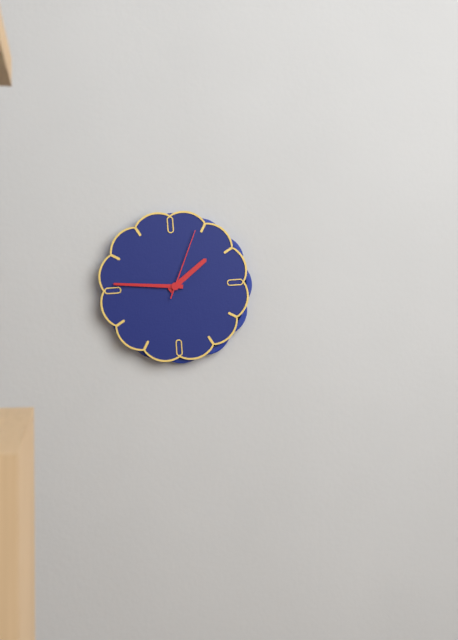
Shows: {"hour": 1, "minute": 46, "second": 4}
